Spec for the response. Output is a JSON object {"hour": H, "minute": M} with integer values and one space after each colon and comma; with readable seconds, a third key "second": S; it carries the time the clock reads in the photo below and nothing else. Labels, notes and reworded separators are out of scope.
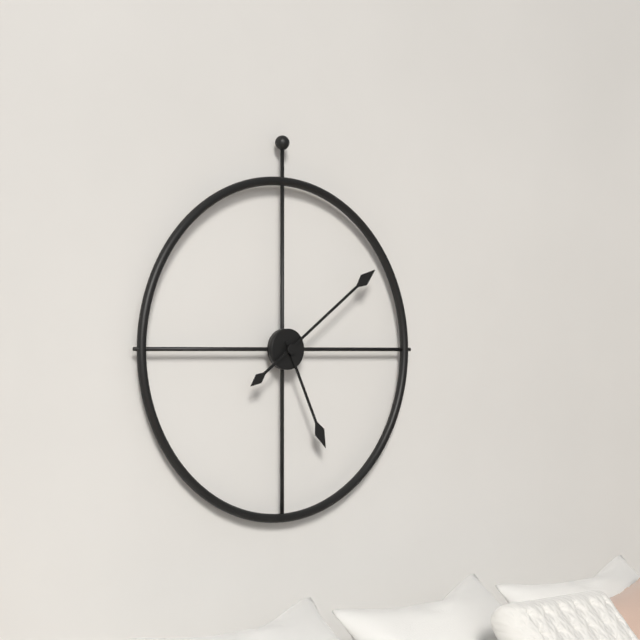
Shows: {"hour": 5, "minute": 9}
